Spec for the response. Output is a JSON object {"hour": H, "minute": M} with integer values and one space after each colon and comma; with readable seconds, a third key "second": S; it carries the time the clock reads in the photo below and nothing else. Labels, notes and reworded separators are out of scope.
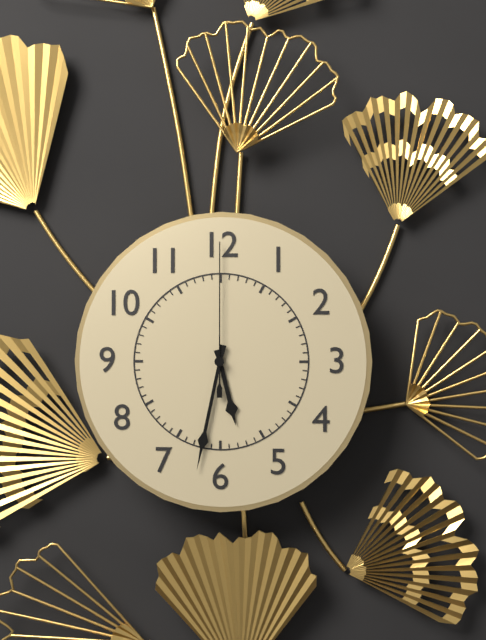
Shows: {"hour": 5, "minute": 32, "second": 0}
